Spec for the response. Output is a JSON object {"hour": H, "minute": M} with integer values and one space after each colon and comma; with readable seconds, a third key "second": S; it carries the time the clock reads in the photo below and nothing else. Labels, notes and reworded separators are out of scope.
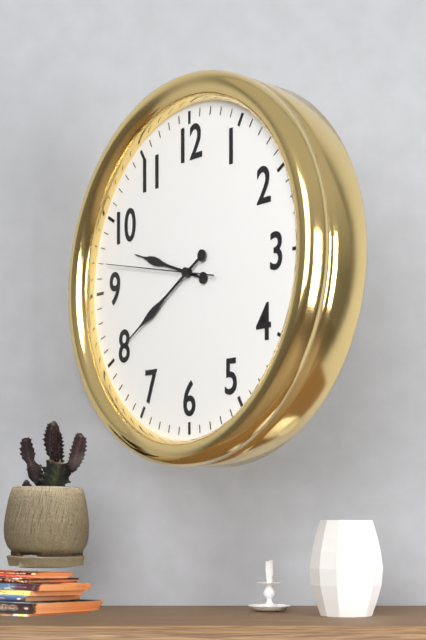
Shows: {"hour": 9, "minute": 40, "second": 47}
